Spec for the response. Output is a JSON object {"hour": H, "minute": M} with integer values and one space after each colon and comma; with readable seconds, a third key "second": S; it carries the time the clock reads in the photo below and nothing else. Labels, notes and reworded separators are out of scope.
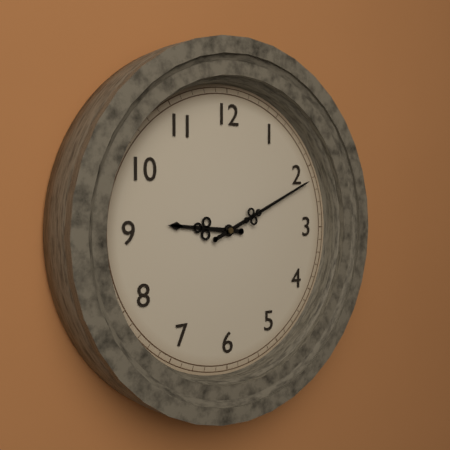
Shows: {"hour": 9, "minute": 11}
